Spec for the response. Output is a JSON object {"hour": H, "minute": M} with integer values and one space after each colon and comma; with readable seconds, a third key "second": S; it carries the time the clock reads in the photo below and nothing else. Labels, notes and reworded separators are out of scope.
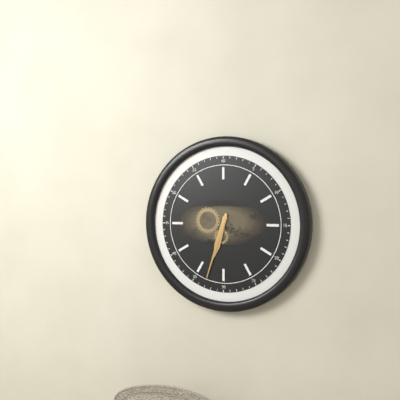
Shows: {"hour": 6, "minute": 33}
